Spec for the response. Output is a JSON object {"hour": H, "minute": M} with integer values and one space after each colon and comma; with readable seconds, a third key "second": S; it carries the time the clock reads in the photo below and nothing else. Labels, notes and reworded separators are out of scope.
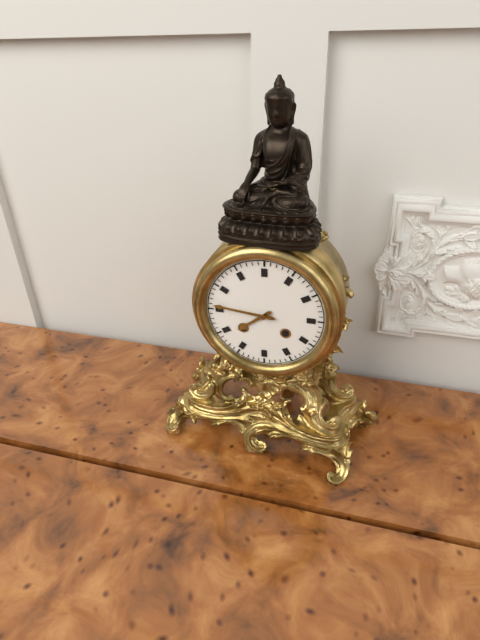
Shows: {"hour": 7, "minute": 46}
